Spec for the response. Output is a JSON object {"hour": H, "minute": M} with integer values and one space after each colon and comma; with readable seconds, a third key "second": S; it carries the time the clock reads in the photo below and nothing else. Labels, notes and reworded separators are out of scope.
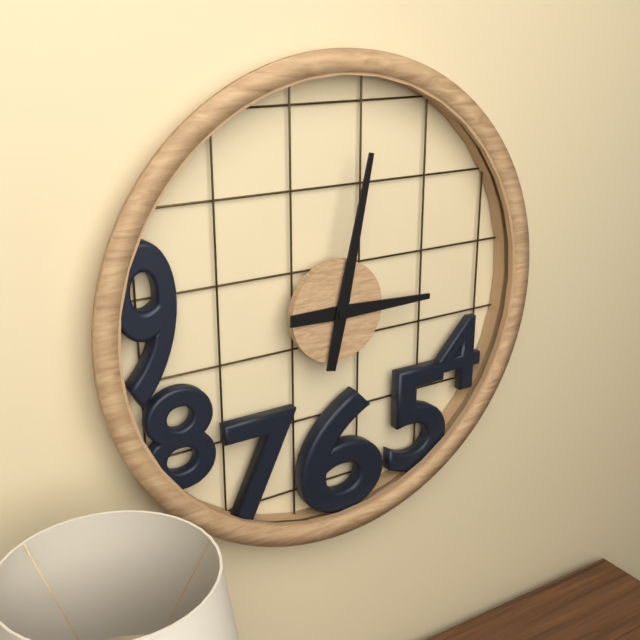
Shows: {"hour": 3, "minute": 2}
